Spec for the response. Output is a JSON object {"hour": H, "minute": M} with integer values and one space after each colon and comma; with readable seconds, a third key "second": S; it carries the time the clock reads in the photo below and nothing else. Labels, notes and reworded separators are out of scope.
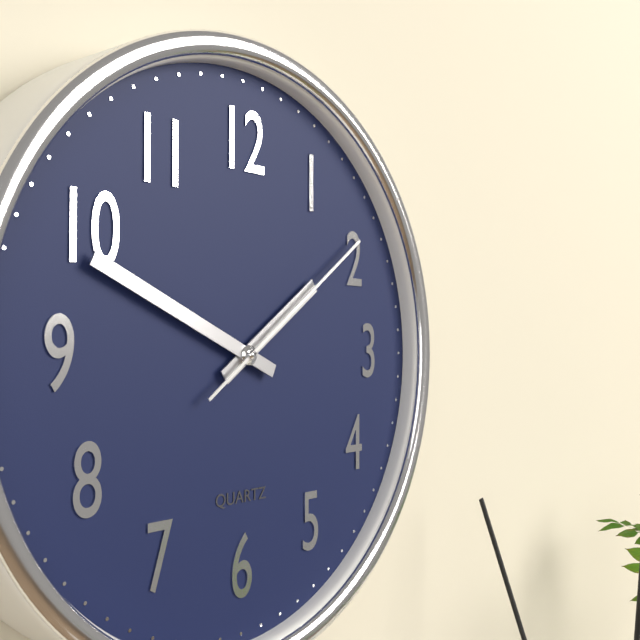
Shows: {"hour": 1, "minute": 49, "second": 9}
